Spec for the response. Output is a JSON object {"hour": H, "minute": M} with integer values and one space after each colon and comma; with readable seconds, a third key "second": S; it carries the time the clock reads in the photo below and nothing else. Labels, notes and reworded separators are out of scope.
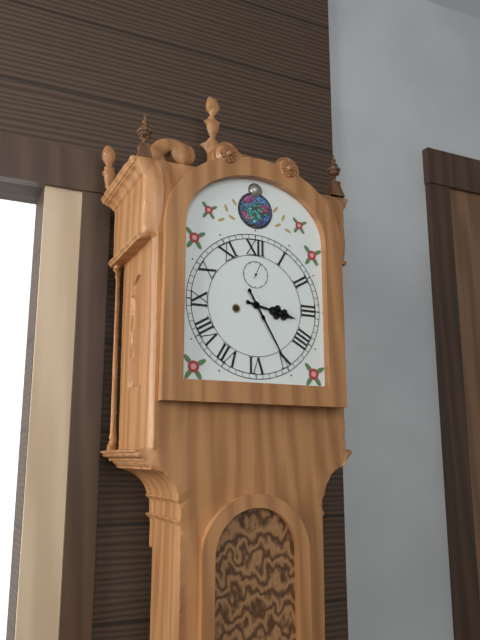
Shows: {"hour": 3, "minute": 25}
